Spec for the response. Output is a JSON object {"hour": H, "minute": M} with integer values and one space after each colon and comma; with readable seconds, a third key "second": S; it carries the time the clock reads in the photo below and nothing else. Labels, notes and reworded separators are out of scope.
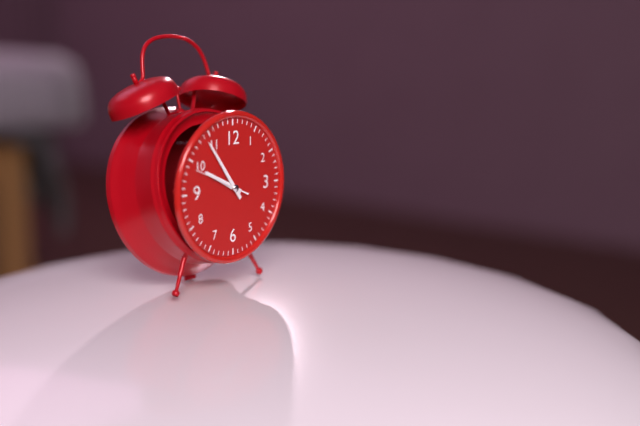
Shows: {"hour": 9, "minute": 54, "second": 49}
